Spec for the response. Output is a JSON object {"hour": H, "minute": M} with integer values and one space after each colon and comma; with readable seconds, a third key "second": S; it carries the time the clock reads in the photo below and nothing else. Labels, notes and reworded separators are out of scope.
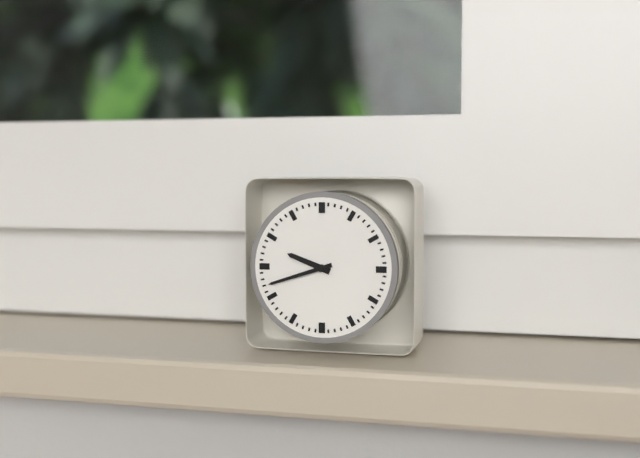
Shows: {"hour": 9, "minute": 42}
